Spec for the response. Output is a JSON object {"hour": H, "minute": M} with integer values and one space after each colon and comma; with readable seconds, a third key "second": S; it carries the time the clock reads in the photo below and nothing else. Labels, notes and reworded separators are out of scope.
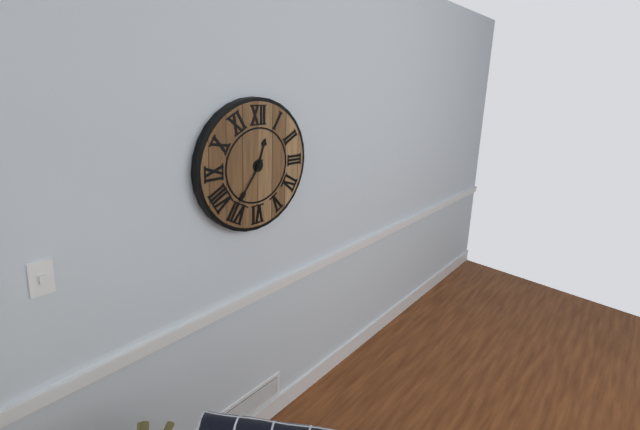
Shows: {"hour": 12, "minute": 36}
